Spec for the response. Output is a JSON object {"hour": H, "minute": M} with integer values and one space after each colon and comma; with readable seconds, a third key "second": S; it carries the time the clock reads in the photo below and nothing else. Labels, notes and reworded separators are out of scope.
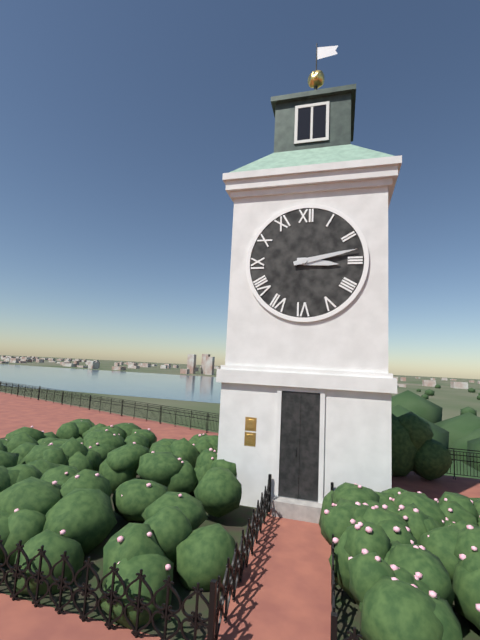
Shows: {"hour": 3, "minute": 13}
